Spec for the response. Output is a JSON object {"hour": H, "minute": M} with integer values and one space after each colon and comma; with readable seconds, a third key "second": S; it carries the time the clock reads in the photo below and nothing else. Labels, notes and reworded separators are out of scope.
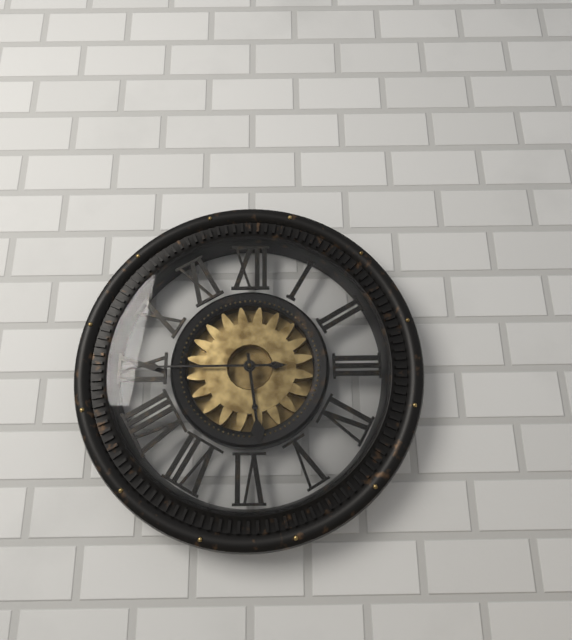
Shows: {"hour": 5, "minute": 45}
